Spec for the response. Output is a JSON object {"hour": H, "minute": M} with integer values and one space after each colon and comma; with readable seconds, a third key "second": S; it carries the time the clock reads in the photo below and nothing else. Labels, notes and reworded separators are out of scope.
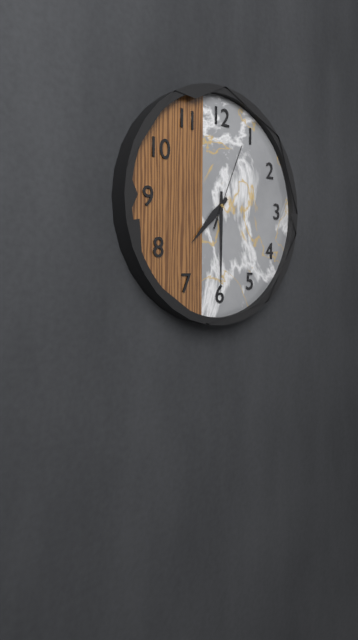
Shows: {"hour": 7, "minute": 30, "second": 4}
